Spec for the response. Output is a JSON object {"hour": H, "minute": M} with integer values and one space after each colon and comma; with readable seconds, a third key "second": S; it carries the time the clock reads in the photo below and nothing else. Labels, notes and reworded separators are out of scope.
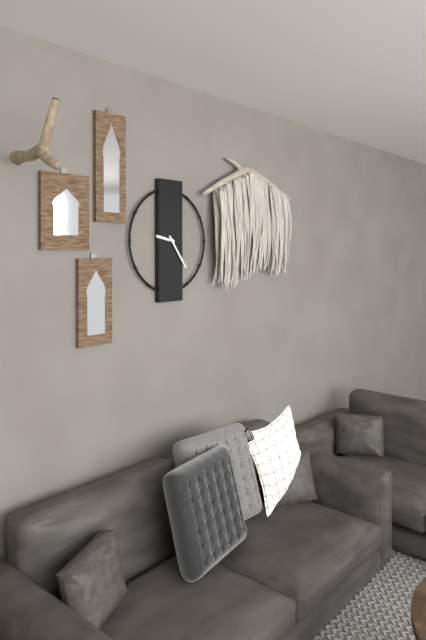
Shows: {"hour": 9, "minute": 24}
